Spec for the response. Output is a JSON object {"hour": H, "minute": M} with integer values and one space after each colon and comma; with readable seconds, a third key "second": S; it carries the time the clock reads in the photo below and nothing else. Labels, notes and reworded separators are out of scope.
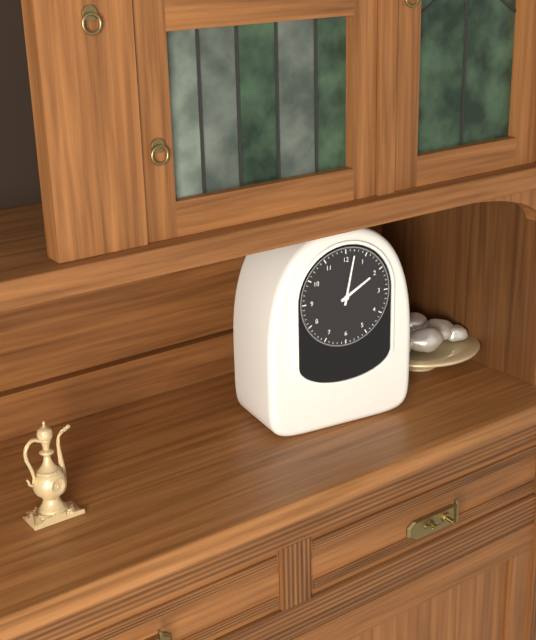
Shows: {"hour": 2, "minute": 2}
